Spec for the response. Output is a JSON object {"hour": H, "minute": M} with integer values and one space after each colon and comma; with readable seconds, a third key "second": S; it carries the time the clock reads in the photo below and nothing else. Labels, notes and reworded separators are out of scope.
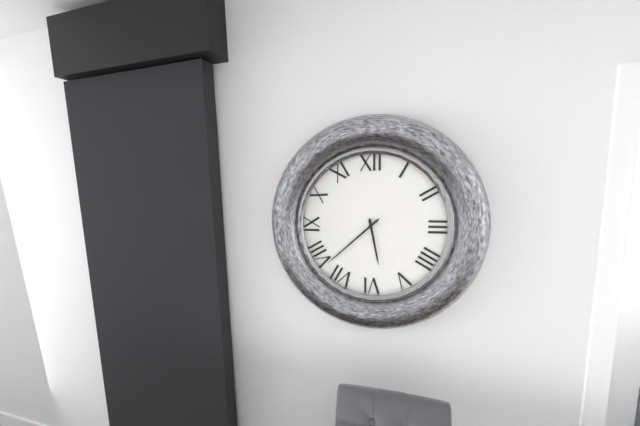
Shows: {"hour": 5, "minute": 38}
